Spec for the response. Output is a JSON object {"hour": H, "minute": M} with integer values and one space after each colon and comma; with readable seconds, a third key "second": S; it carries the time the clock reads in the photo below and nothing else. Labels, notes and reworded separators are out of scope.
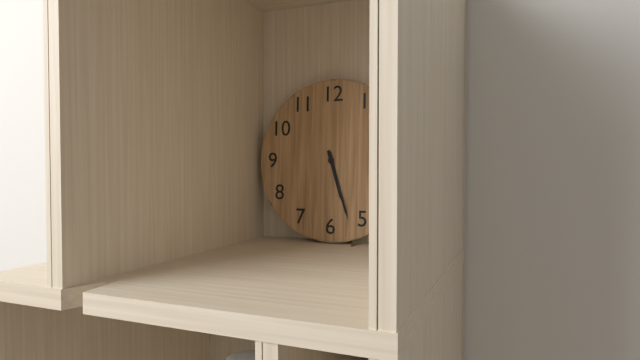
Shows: {"hour": 5, "minute": 27}
